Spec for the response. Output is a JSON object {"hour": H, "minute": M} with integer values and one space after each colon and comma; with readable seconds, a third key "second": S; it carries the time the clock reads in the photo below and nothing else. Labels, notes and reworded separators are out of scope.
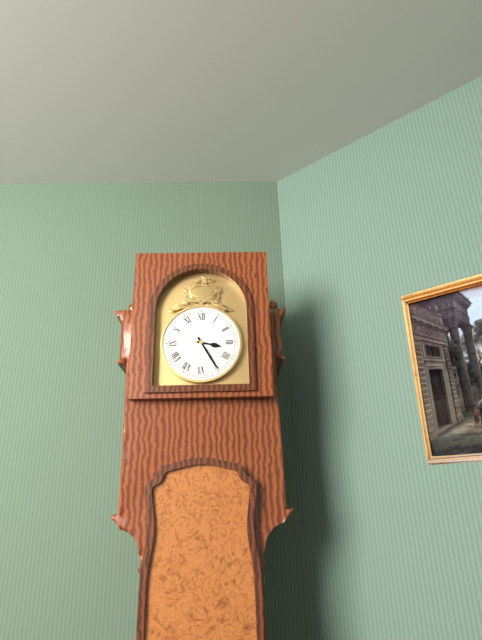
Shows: {"hour": 3, "minute": 25}
